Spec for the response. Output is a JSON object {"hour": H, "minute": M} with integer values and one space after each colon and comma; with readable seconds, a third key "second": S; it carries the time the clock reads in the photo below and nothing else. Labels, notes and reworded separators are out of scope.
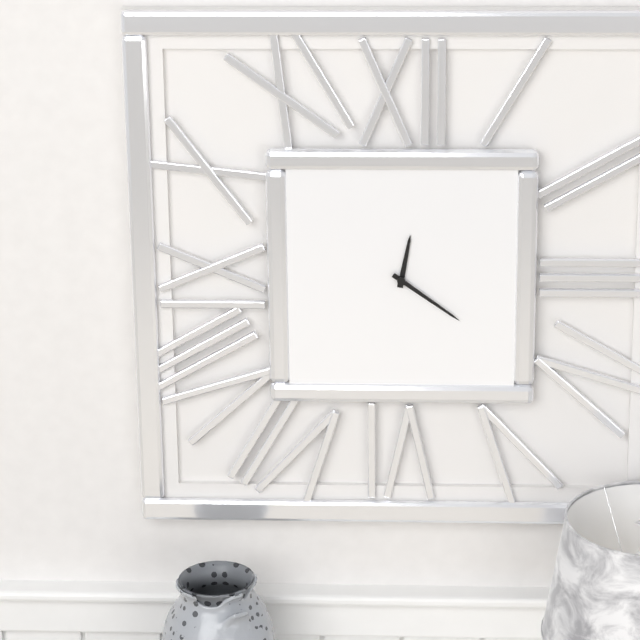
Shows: {"hour": 12, "minute": 21}
